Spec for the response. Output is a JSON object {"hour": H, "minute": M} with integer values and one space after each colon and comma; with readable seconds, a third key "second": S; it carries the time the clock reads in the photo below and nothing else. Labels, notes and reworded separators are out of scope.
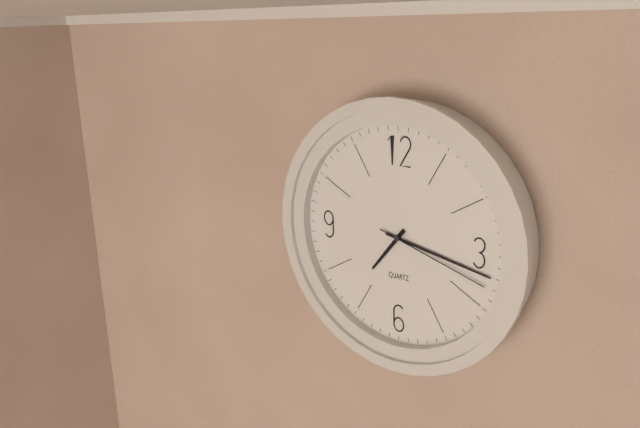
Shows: {"hour": 7, "minute": 17, "second": 18}
